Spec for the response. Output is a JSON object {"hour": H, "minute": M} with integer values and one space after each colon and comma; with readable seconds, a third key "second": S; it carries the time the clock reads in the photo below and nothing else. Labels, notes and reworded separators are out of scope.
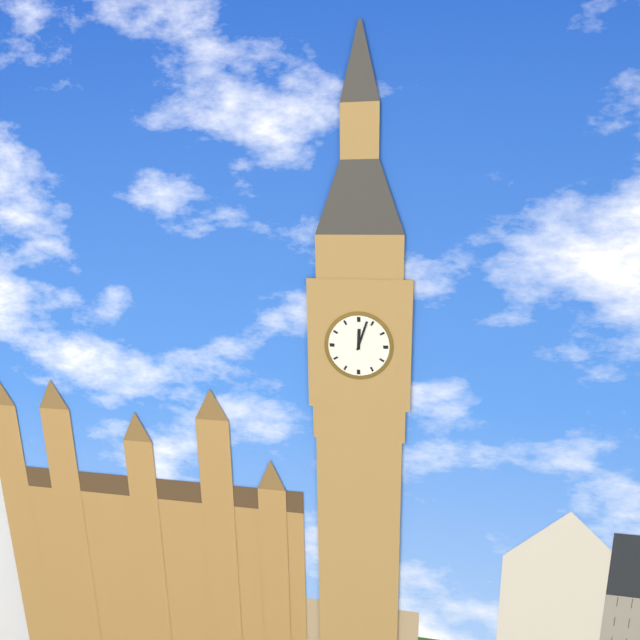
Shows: {"hour": 12, "minute": 3}
